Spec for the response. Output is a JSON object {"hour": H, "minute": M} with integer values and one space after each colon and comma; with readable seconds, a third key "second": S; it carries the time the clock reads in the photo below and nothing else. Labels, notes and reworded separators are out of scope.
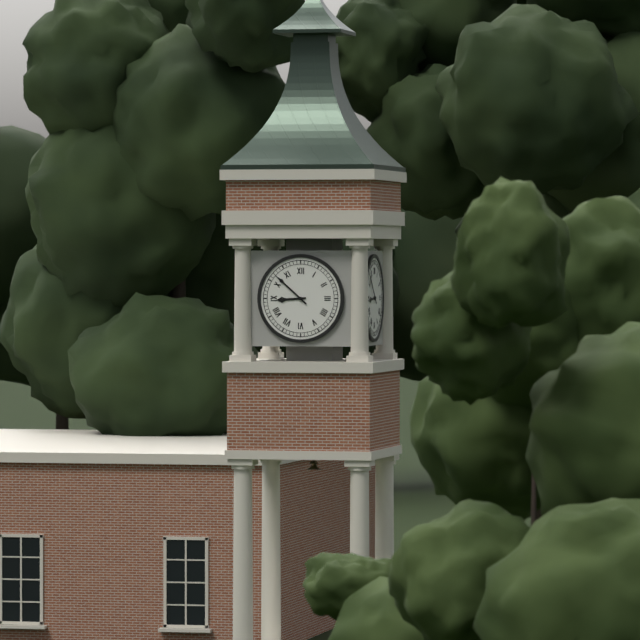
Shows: {"hour": 8, "minute": 52}
